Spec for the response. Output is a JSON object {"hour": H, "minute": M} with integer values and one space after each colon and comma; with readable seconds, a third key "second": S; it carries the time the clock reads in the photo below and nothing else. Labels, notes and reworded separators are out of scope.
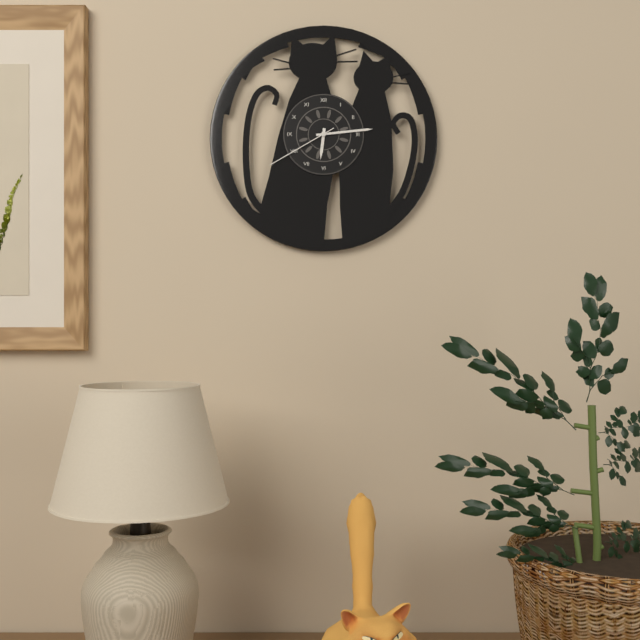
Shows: {"hour": 6, "minute": 14, "second": 40}
